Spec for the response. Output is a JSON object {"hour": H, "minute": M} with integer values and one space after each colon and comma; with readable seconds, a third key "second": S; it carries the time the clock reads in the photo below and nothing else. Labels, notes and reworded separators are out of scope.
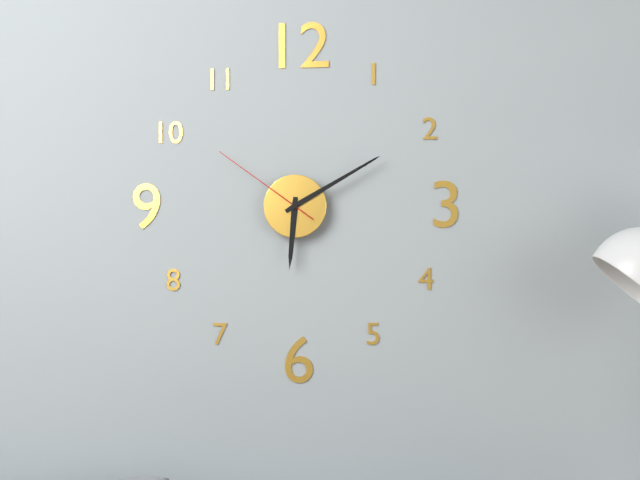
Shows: {"hour": 6, "minute": 10, "second": 51}
